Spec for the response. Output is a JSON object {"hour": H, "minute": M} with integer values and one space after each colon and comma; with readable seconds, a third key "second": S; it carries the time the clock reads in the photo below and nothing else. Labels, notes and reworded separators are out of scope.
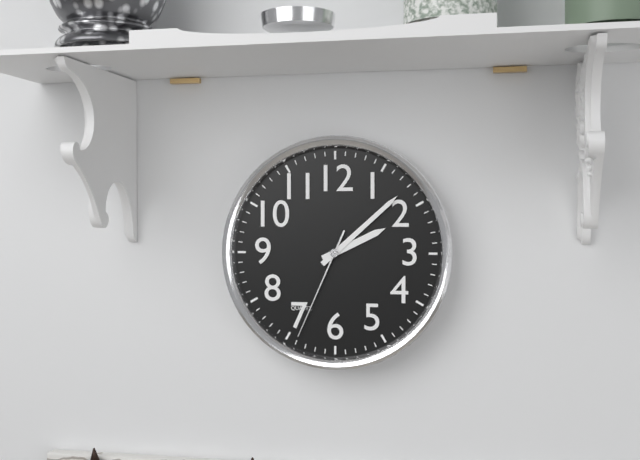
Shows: {"hour": 2, "minute": 8, "second": 34}
